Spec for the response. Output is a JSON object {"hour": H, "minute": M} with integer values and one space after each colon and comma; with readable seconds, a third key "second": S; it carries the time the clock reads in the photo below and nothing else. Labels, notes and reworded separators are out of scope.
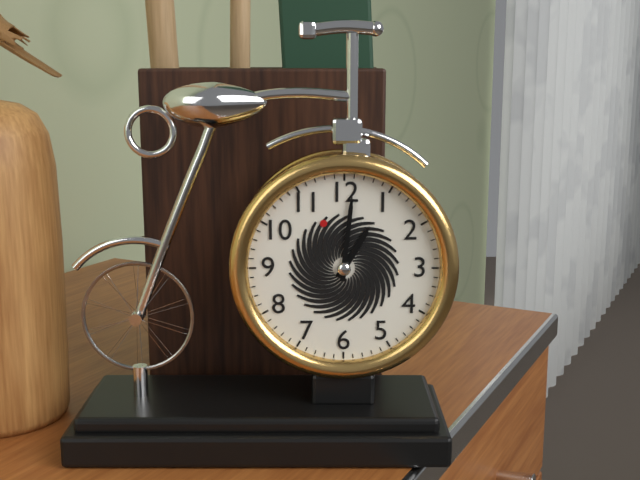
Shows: {"hour": 1, "minute": 1}
